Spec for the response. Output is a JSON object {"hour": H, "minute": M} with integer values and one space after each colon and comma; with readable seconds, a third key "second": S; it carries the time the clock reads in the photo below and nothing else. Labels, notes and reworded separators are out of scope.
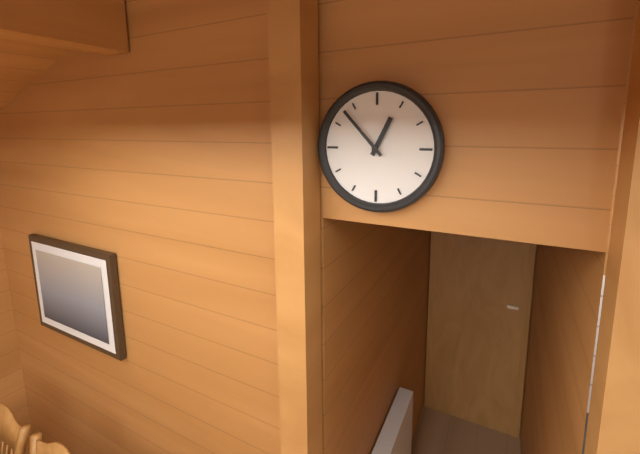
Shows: {"hour": 12, "minute": 53}
